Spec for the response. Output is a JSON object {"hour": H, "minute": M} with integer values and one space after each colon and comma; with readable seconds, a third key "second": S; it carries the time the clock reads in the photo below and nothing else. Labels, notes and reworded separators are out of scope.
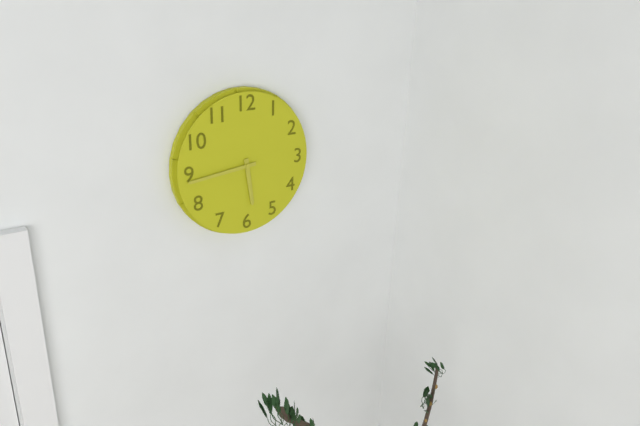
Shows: {"hour": 5, "minute": 44}
